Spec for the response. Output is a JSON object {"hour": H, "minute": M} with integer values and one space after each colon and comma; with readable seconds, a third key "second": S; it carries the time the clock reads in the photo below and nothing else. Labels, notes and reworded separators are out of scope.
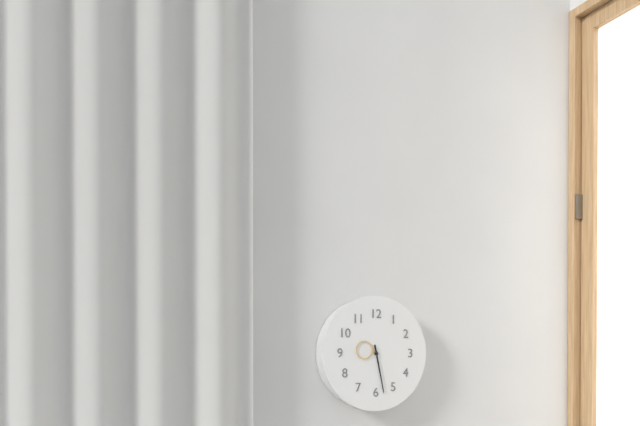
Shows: {"hour": 9, "minute": 28}
